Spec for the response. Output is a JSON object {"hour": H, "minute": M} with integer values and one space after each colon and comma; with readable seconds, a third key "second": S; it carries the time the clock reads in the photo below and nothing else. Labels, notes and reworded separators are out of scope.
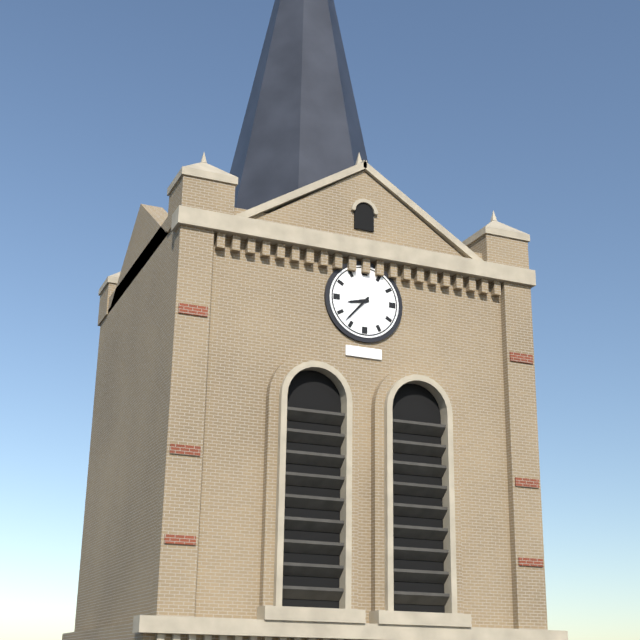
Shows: {"hour": 8, "minute": 37}
